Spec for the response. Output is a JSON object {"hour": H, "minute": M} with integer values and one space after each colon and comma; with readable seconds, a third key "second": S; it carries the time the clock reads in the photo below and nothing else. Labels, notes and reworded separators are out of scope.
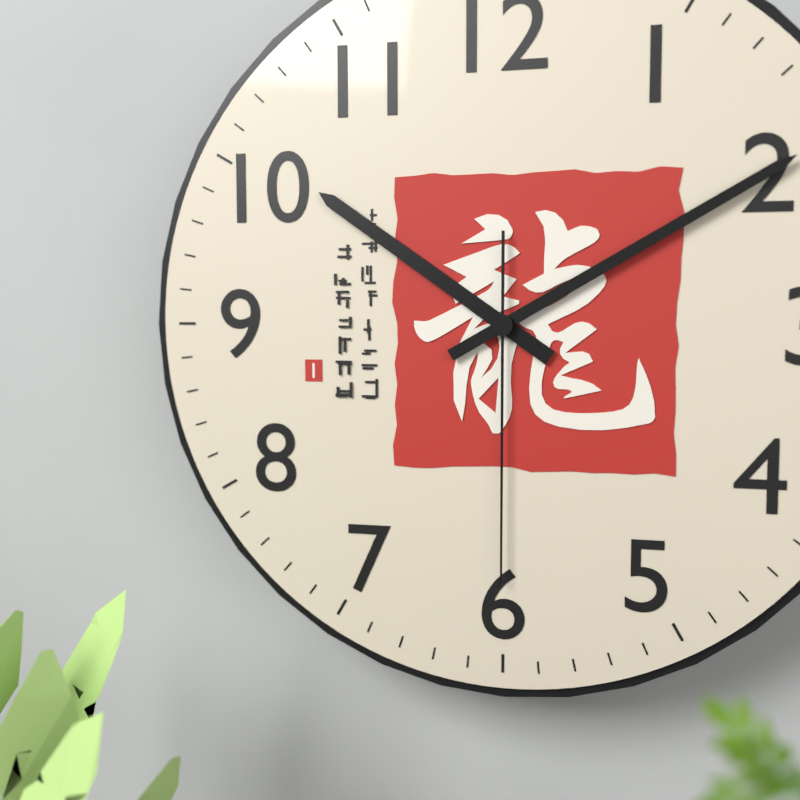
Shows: {"hour": 10, "minute": 10, "second": 30}
